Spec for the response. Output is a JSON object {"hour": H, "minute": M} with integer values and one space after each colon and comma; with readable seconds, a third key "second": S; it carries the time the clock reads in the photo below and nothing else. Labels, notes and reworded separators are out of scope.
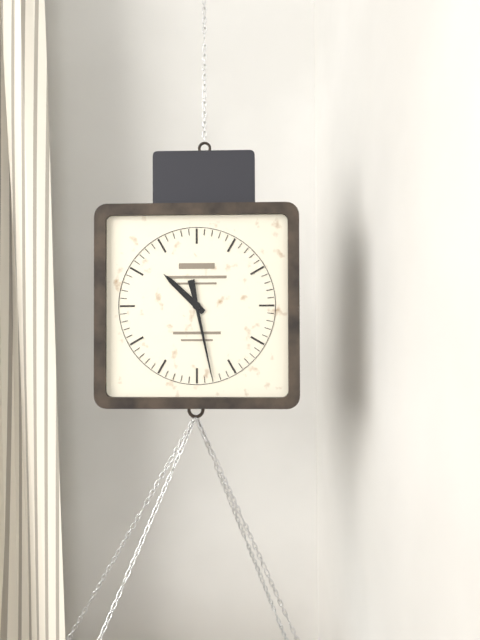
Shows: {"hour": 10, "minute": 28}
